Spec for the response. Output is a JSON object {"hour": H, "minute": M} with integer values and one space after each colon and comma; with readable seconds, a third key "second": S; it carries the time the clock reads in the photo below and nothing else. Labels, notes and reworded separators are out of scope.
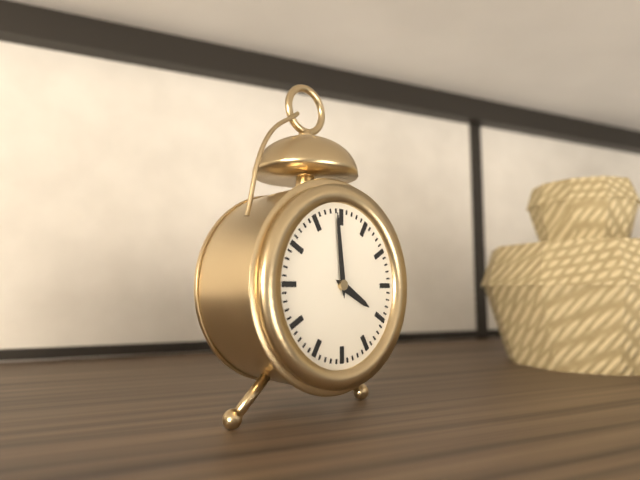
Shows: {"hour": 3, "minute": 59}
